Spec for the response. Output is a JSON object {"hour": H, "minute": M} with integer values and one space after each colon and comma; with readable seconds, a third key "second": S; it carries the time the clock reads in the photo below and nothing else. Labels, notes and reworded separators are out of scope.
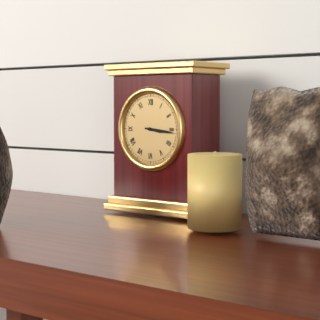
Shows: {"hour": 3, "minute": 16}
